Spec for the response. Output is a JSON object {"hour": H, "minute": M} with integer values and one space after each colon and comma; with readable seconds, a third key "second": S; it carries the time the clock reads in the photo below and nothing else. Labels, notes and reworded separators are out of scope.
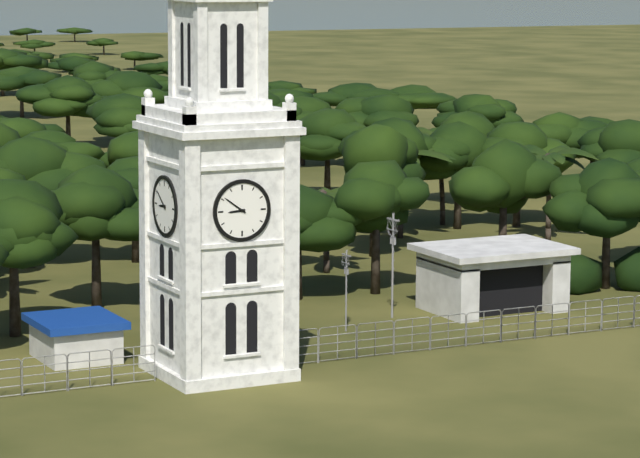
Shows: {"hour": 8, "minute": 51}
